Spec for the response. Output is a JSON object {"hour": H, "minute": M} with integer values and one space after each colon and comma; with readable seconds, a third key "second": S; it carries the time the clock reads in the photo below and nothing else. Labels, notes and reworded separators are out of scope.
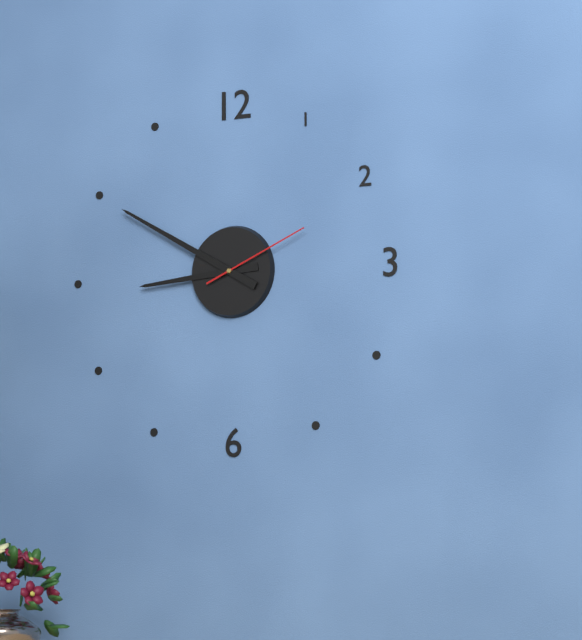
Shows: {"hour": 8, "minute": 50, "second": 11}
